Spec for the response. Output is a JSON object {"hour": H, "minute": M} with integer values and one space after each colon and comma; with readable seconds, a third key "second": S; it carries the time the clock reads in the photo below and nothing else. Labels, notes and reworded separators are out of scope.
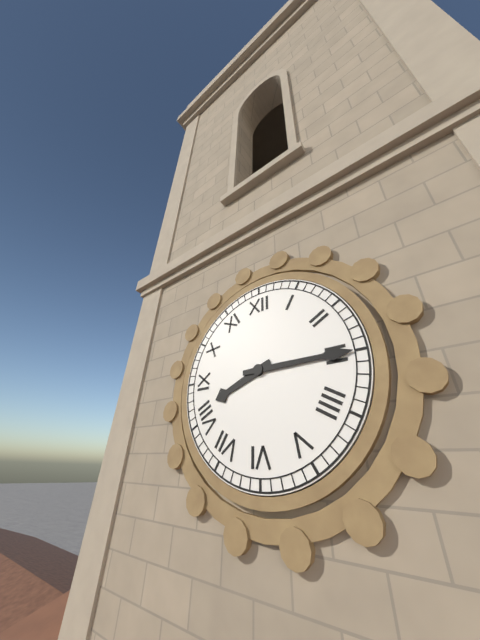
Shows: {"hour": 8, "minute": 15}
